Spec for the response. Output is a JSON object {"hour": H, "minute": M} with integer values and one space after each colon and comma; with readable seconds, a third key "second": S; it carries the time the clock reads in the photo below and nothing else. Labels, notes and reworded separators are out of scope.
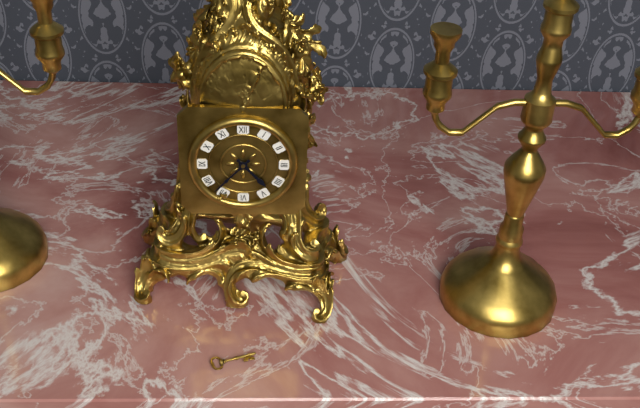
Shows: {"hour": 4, "minute": 37}
